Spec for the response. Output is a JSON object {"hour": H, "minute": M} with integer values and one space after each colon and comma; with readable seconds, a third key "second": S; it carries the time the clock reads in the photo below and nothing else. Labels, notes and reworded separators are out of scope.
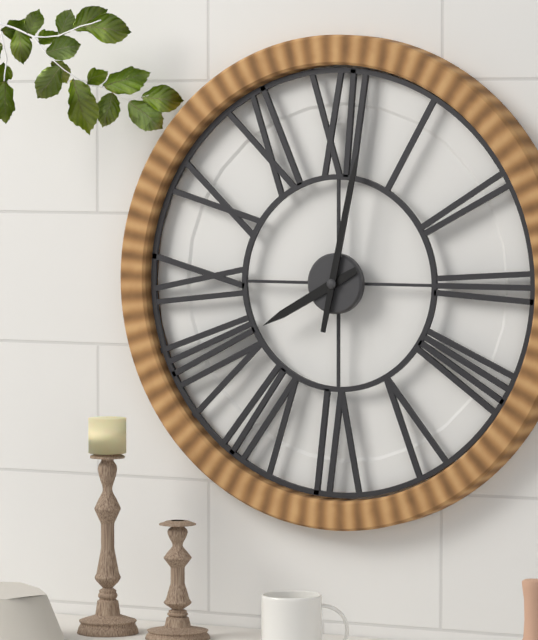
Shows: {"hour": 8, "minute": 2}
